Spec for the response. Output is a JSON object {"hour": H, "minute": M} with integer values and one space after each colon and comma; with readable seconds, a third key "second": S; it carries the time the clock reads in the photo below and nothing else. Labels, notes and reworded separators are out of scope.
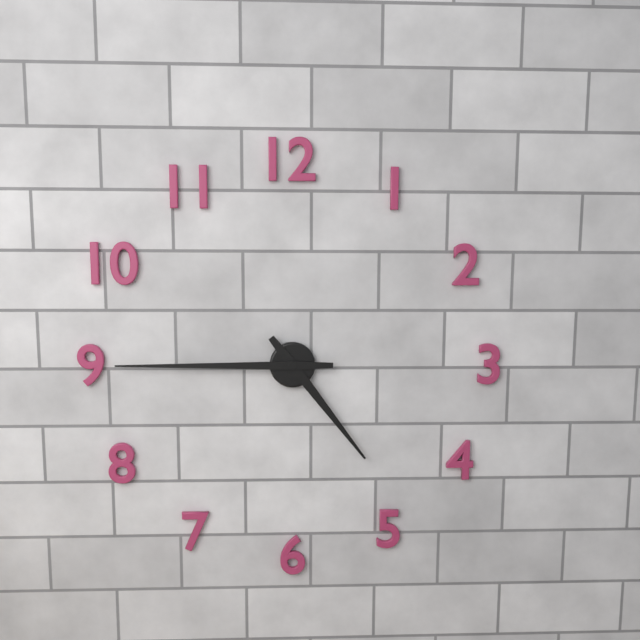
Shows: {"hour": 4, "minute": 45}
